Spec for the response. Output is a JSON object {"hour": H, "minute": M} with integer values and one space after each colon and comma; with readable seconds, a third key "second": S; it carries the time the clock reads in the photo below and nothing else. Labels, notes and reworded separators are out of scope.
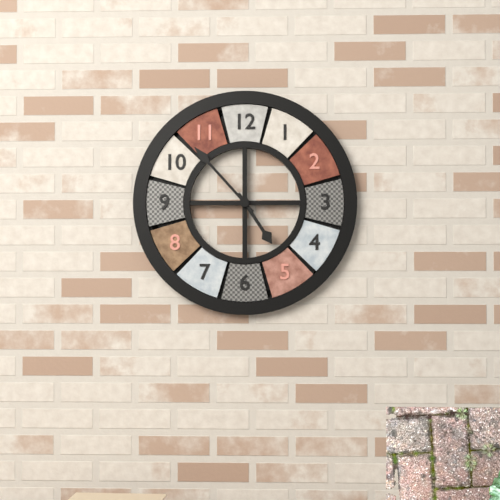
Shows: {"hour": 4, "minute": 53}
